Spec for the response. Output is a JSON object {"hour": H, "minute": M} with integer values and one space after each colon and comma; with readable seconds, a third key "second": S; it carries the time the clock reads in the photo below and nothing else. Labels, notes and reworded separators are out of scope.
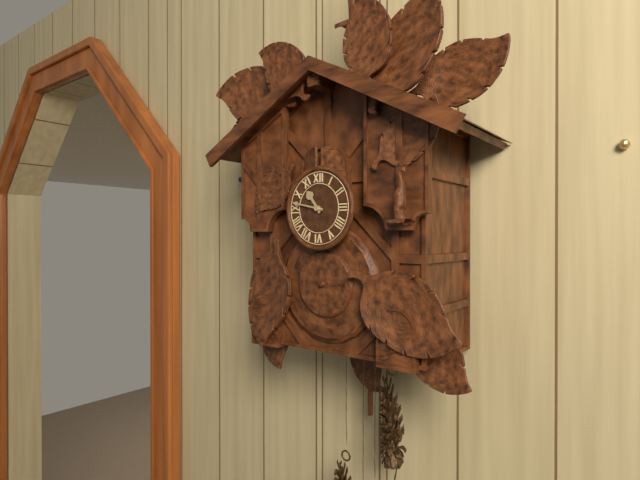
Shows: {"hour": 10, "minute": 47}
